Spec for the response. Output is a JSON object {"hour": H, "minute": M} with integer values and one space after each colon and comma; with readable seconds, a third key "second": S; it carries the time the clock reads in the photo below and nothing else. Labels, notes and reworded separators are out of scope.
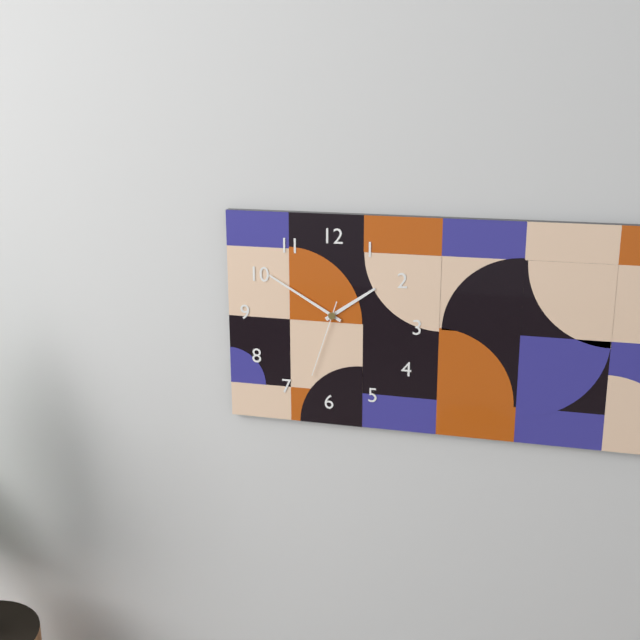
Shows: {"hour": 1, "minute": 50, "second": 33}
